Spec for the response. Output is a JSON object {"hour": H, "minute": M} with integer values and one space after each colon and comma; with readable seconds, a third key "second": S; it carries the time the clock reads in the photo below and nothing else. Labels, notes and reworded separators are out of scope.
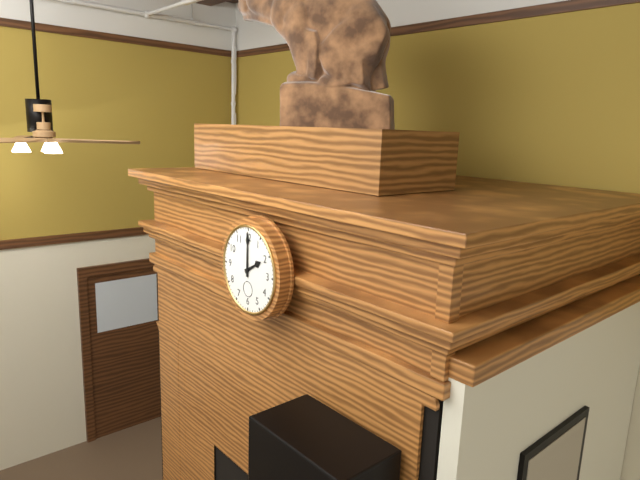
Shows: {"hour": 2, "minute": 0}
